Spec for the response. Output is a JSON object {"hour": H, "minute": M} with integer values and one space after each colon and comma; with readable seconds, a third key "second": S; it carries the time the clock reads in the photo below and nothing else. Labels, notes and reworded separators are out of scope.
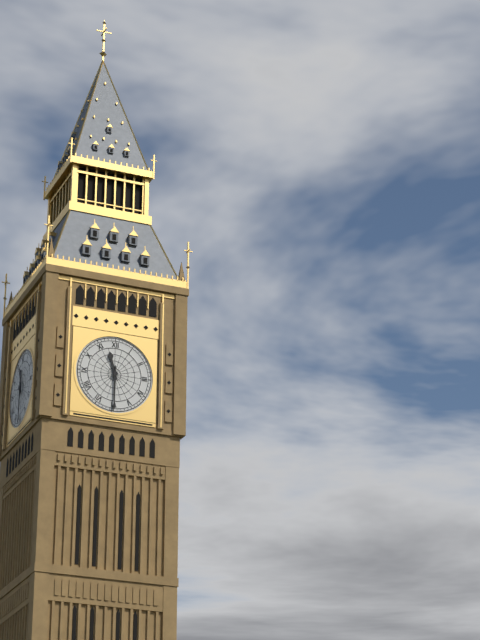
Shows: {"hour": 11, "minute": 30}
